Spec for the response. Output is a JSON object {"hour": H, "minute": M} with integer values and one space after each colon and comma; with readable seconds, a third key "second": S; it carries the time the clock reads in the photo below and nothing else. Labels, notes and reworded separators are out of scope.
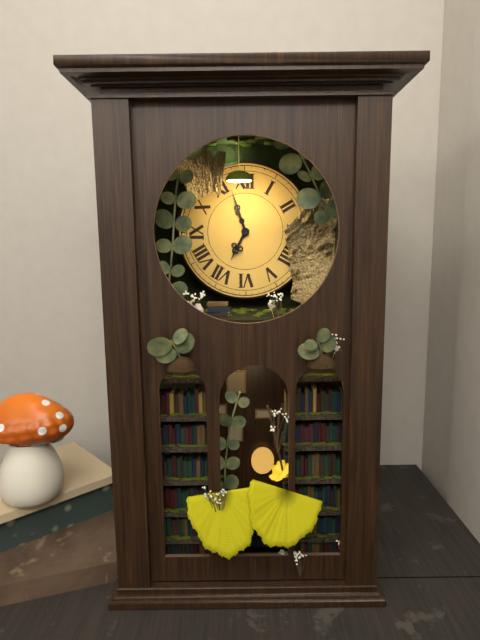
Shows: {"hour": 6, "minute": 57}
